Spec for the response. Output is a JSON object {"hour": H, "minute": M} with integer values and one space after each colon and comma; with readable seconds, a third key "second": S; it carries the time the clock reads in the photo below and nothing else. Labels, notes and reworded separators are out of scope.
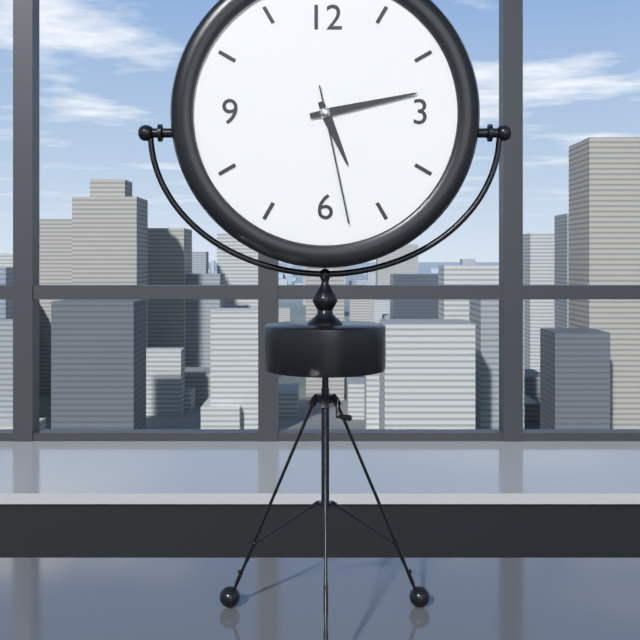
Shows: {"hour": 5, "minute": 13, "second": 28}
